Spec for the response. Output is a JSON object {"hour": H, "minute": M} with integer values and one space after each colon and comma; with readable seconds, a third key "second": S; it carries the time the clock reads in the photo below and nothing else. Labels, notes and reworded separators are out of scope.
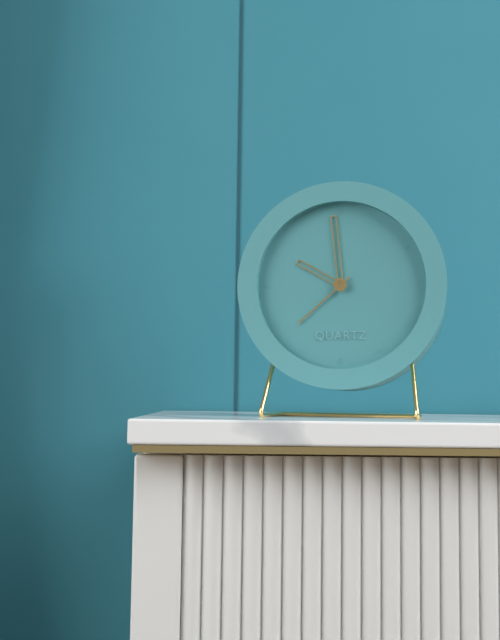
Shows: {"hour": 9, "minute": 59, "second": 38}
